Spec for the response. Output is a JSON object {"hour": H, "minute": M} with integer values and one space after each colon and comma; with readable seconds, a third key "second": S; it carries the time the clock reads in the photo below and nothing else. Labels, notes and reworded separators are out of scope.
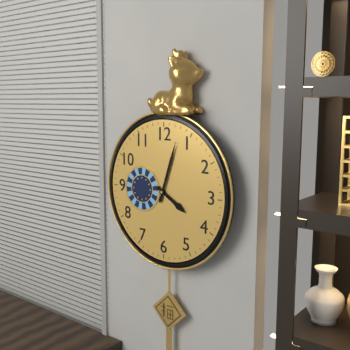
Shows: {"hour": 4, "minute": 3}
